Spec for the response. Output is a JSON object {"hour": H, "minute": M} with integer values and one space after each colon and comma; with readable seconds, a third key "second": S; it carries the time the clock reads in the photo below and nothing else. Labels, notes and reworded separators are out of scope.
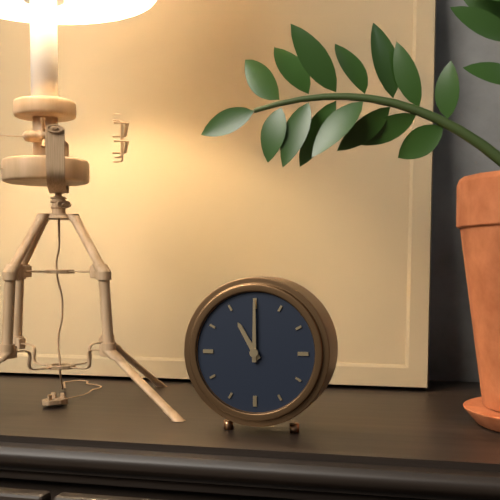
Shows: {"hour": 11, "minute": 0}
